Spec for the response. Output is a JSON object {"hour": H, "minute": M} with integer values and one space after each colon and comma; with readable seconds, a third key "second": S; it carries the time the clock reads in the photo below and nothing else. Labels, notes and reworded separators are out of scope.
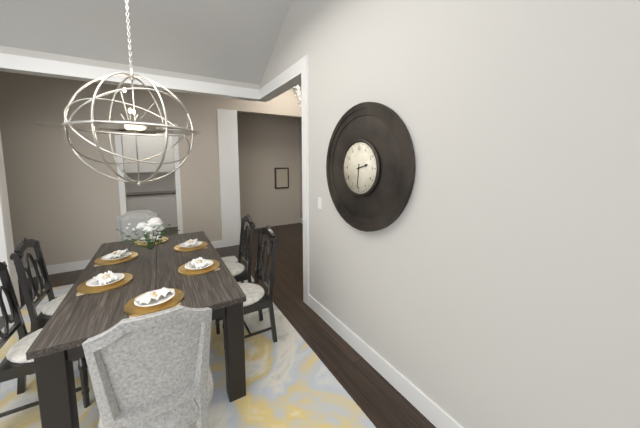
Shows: {"hour": 2, "minute": 31}
